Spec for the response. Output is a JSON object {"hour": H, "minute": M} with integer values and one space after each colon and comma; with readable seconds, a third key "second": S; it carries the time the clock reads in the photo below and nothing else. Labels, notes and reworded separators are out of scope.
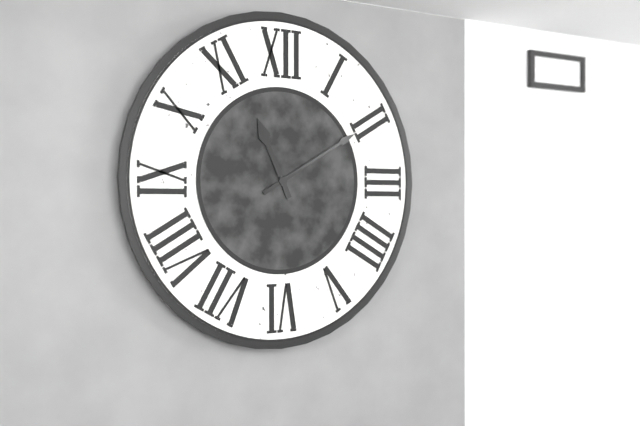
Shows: {"hour": 11, "minute": 10}
